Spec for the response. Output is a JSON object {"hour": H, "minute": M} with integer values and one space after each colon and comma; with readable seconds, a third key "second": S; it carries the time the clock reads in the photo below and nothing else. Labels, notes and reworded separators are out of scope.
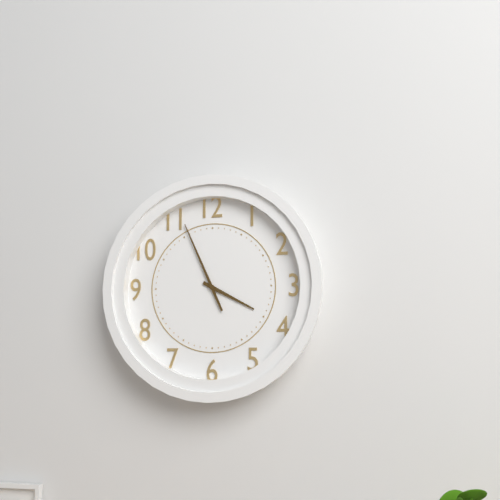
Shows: {"hour": 3, "minute": 56}
